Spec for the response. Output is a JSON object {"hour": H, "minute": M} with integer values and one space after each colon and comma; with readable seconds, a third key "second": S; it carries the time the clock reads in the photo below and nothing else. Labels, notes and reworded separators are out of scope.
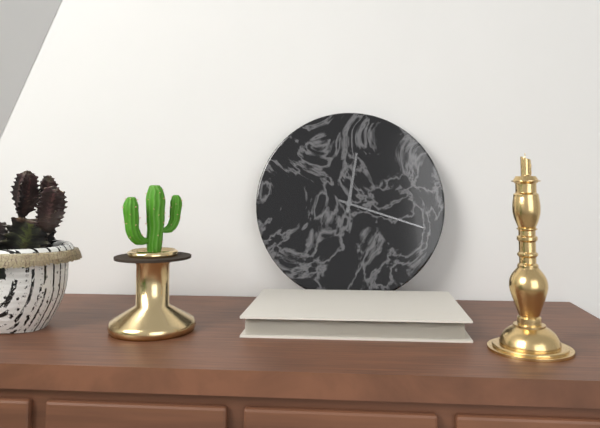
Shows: {"hour": 12, "minute": 18}
